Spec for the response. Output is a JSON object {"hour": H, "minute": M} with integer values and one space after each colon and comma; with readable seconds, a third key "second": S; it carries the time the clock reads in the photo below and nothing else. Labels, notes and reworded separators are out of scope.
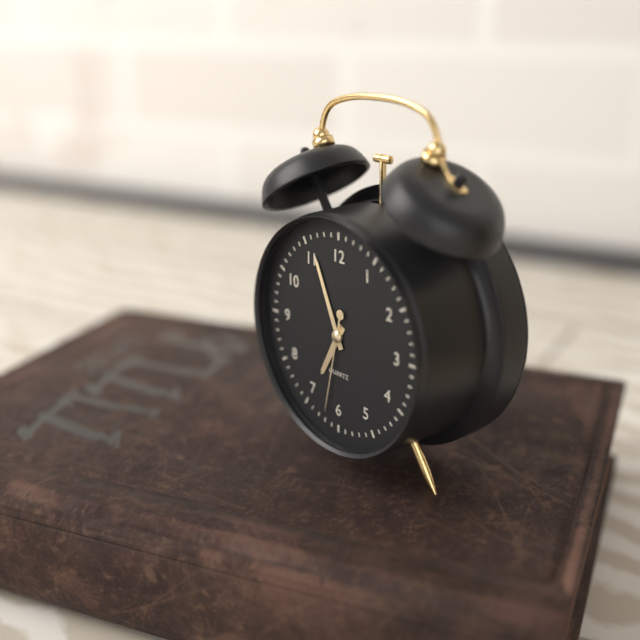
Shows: {"hour": 6, "minute": 56, "second": 32}
